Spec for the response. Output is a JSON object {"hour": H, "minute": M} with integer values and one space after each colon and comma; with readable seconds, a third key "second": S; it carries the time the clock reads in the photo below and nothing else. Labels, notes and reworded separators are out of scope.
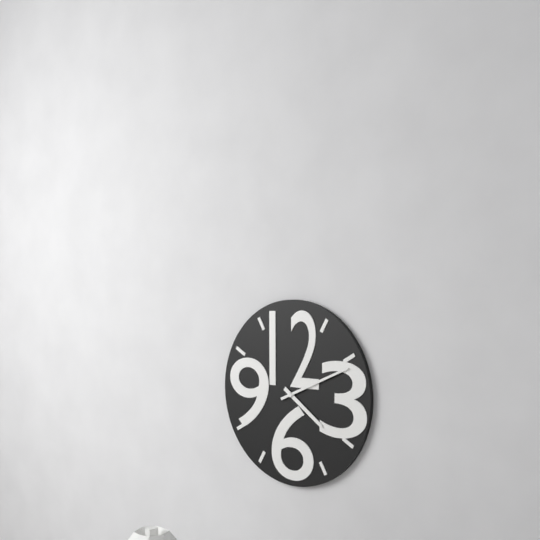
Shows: {"hour": 4, "minute": 11}
